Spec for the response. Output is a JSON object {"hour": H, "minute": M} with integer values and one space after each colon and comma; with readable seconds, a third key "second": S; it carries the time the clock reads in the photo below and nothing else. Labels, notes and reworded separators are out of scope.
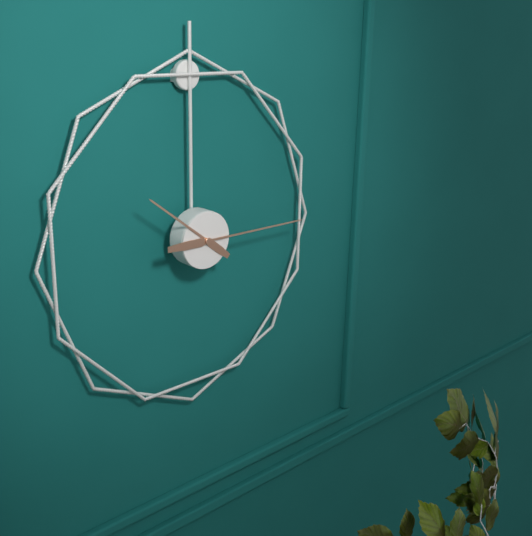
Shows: {"hour": 10, "minute": 15}
